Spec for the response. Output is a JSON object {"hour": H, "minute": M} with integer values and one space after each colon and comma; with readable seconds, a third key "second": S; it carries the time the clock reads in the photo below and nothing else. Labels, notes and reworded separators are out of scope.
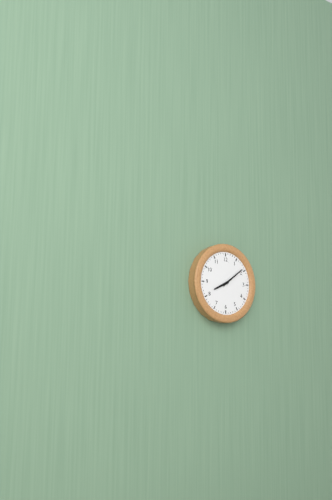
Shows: {"hour": 8, "minute": 9}
